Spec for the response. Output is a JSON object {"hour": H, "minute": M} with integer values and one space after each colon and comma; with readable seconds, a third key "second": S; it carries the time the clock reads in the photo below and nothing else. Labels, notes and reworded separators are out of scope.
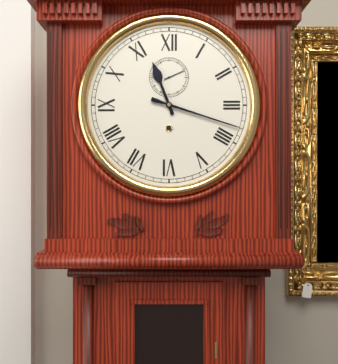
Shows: {"hour": 11, "minute": 18}
